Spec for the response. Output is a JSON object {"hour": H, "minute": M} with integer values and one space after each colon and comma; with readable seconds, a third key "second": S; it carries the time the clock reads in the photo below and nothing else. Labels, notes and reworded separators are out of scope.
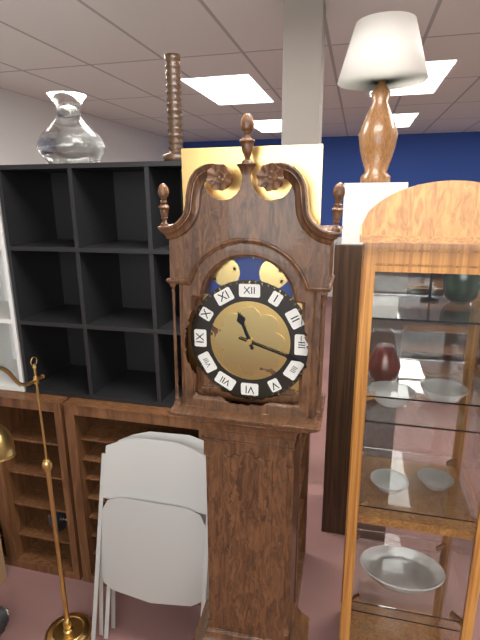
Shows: {"hour": 11, "minute": 18}
